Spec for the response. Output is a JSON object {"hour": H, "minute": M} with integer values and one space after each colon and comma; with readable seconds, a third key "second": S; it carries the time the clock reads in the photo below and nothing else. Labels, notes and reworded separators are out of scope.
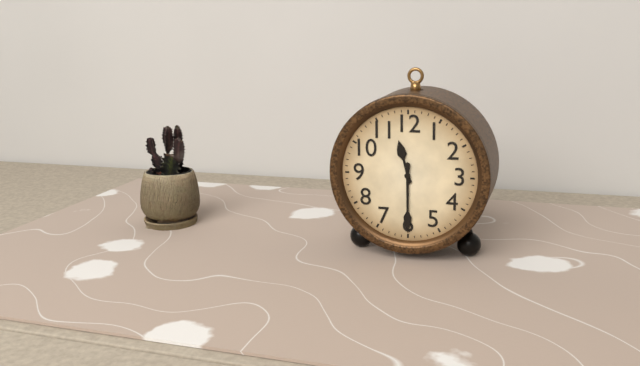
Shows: {"hour": 11, "minute": 30}
